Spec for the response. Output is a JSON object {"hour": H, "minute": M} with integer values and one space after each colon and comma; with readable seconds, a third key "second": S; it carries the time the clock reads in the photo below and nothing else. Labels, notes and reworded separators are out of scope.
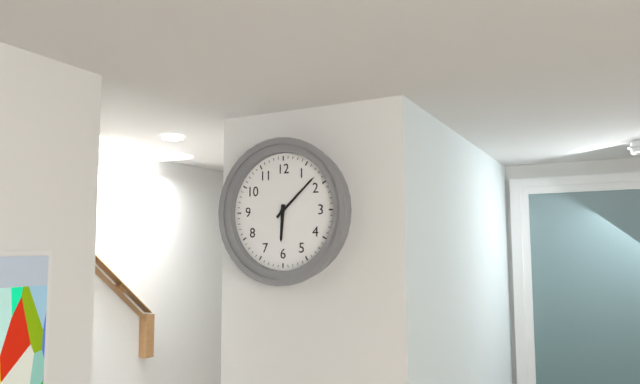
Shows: {"hour": 6, "minute": 8}
